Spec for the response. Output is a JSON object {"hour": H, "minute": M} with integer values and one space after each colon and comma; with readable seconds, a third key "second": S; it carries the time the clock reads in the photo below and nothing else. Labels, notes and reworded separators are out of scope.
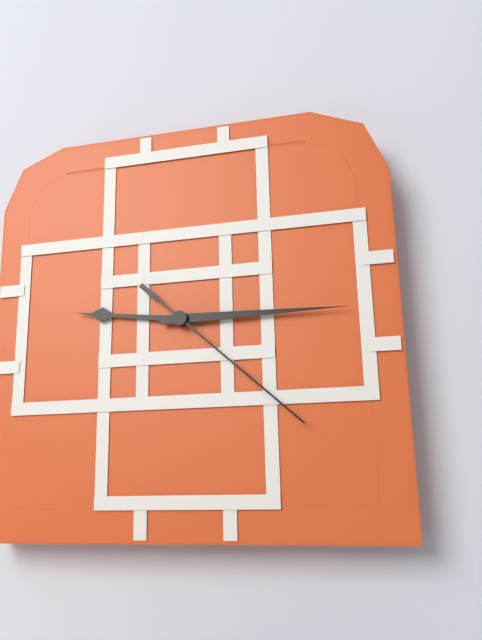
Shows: {"hour": 9, "minute": 15, "second": 22}
